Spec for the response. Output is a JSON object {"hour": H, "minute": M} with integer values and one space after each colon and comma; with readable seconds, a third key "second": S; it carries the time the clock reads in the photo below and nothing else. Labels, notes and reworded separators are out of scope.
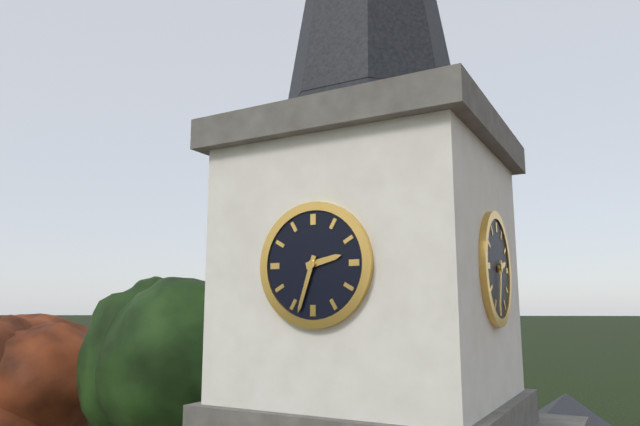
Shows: {"hour": 2, "minute": 33}
